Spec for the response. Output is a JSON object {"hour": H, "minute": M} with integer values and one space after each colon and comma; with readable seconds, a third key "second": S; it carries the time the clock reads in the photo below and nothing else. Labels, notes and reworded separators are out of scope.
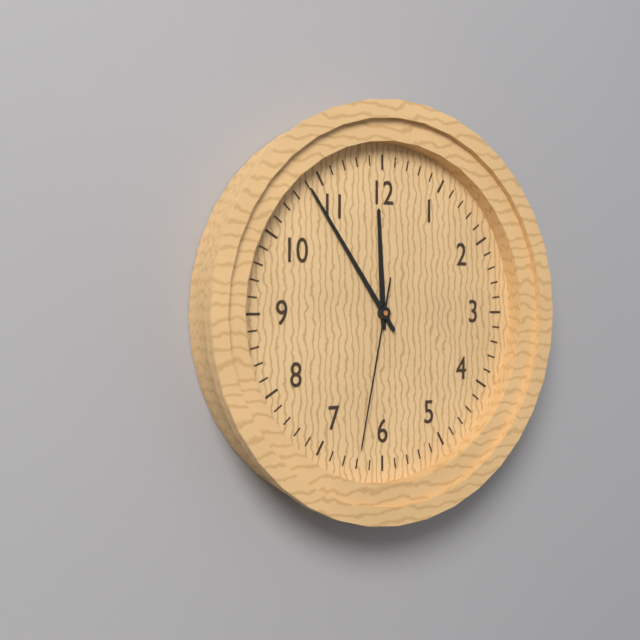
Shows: {"hour": 11, "minute": 54, "second": 32}
